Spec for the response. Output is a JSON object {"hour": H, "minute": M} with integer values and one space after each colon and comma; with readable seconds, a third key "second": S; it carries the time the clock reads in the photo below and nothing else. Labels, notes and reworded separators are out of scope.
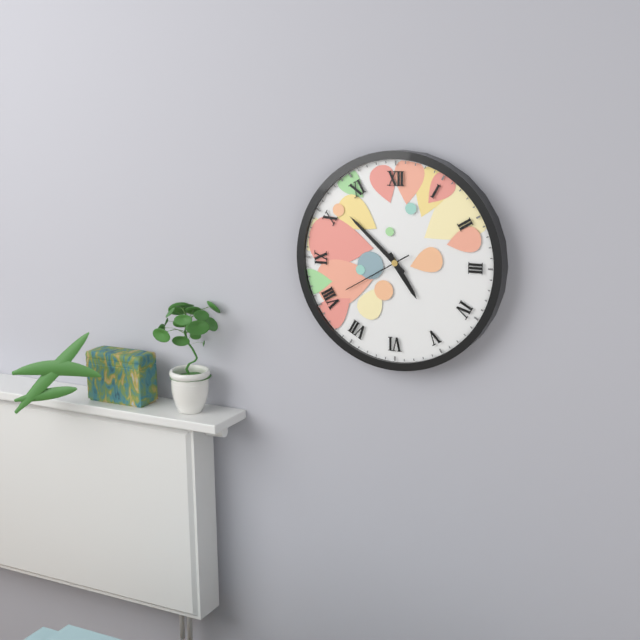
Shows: {"hour": 4, "minute": 52, "second": 40}
